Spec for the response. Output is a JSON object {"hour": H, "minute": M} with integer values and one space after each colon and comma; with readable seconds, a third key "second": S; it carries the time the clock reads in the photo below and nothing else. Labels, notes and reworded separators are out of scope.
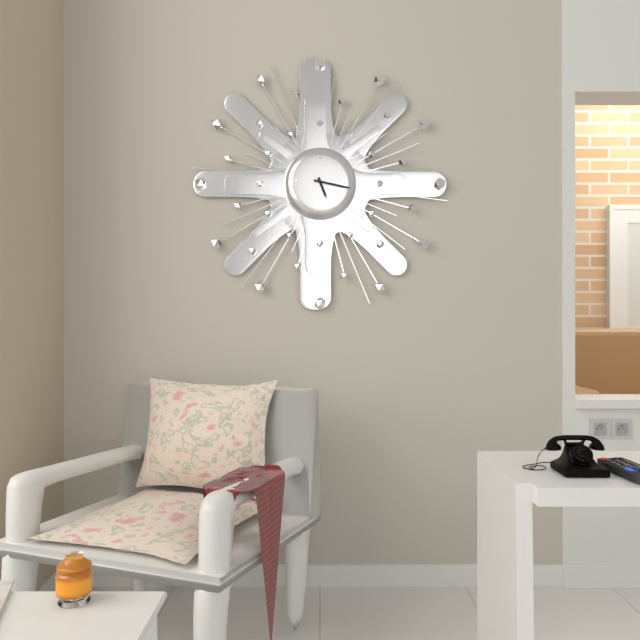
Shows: {"hour": 5, "minute": 17}
